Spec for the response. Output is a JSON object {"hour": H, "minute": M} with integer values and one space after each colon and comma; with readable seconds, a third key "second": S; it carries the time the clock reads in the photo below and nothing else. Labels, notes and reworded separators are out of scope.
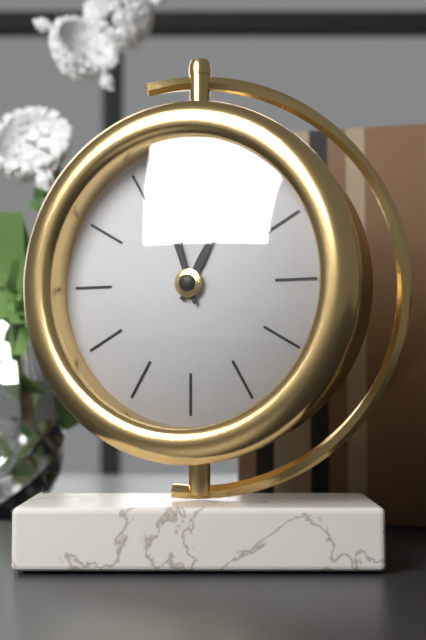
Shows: {"hour": 12, "minute": 57}
